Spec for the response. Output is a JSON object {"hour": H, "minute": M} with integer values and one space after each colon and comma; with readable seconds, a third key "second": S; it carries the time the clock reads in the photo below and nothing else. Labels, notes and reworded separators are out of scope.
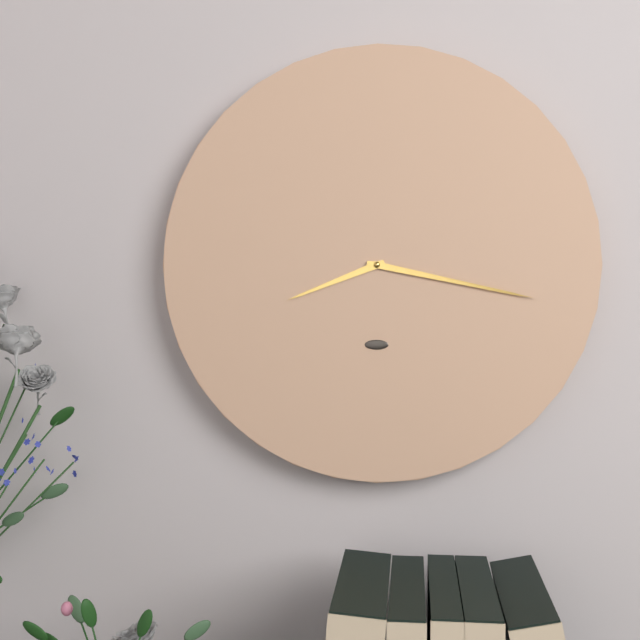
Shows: {"hour": 8, "minute": 17}
